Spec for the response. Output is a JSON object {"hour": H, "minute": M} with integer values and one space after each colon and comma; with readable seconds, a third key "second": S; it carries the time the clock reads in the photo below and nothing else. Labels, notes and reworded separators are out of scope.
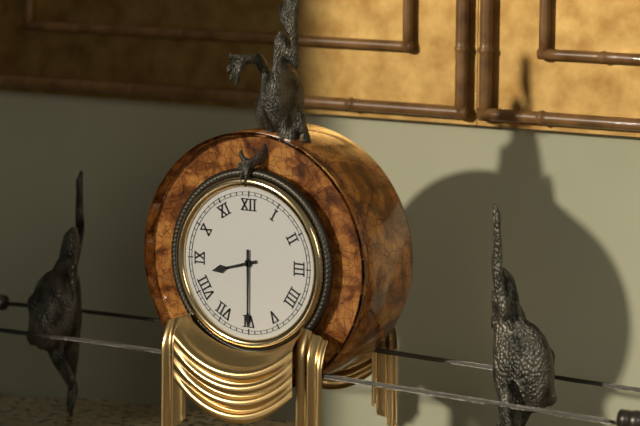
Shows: {"hour": 8, "minute": 30}
